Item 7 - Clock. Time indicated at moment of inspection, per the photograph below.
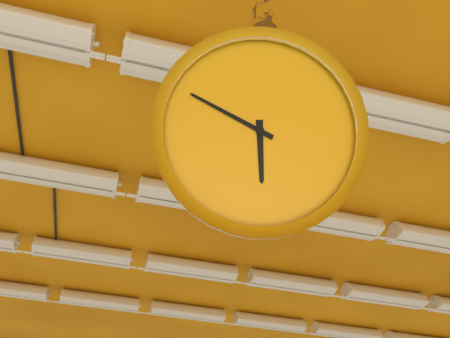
5:49
